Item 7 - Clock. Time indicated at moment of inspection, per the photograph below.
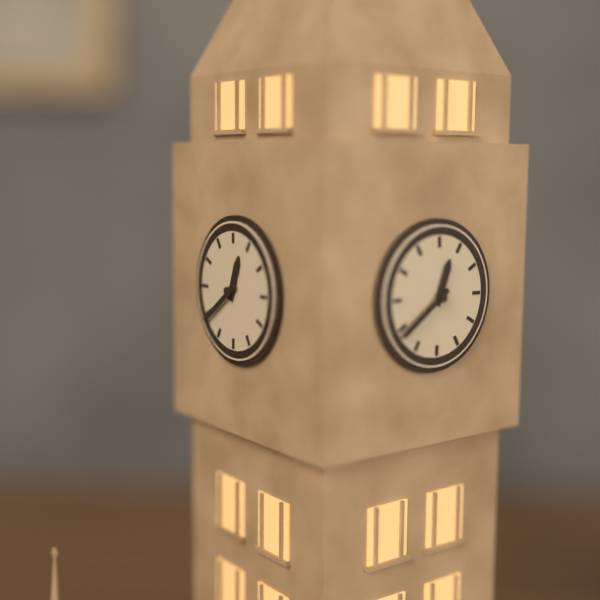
12:39
